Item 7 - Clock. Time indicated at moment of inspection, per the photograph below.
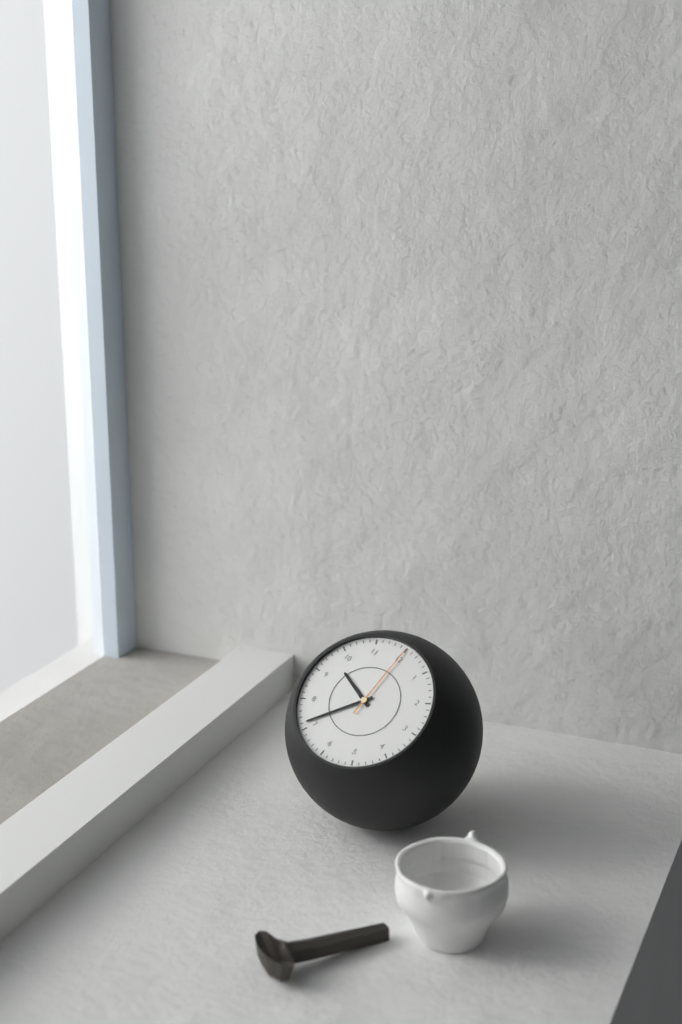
9:36:00
